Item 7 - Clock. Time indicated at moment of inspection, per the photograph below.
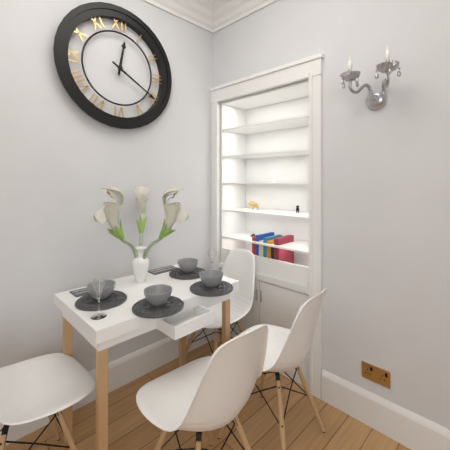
12:20
